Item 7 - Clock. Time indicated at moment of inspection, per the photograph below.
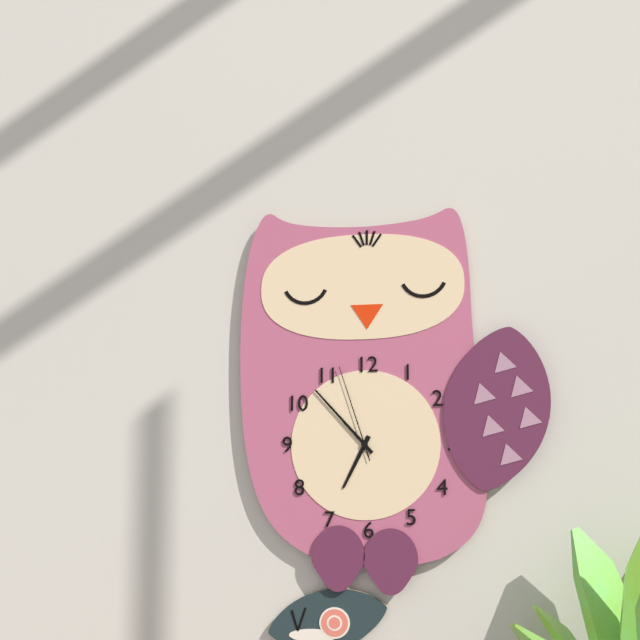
6:53:57
